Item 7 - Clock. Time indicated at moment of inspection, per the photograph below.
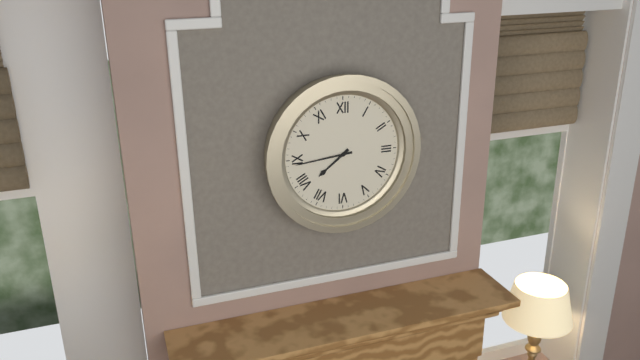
7:44
